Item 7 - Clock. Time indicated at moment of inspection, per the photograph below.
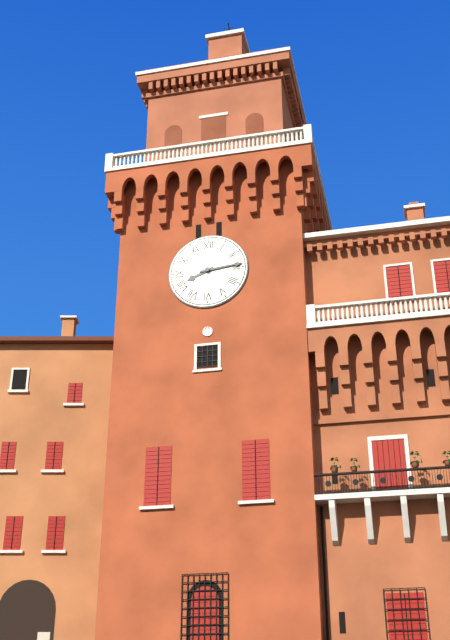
8:14
